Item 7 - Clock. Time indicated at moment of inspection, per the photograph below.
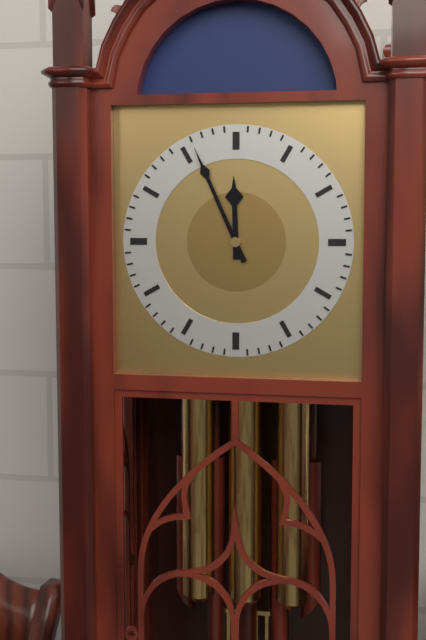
11:56
